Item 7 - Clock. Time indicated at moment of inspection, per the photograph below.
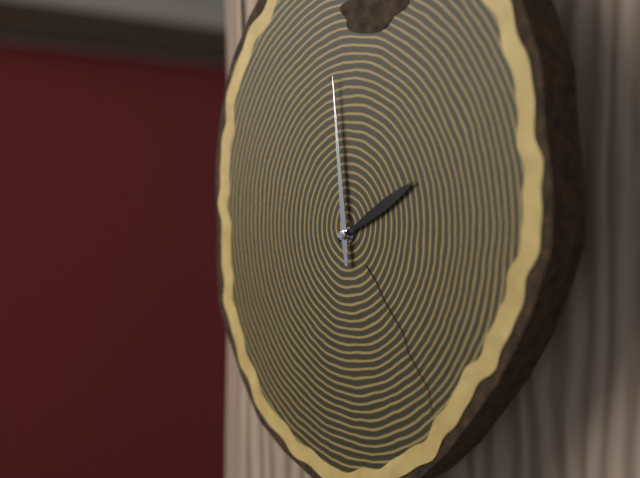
1:59
